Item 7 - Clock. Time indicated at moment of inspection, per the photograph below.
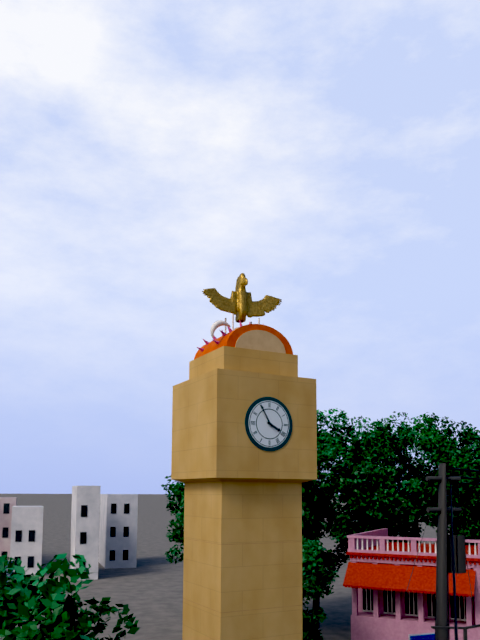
3:55
